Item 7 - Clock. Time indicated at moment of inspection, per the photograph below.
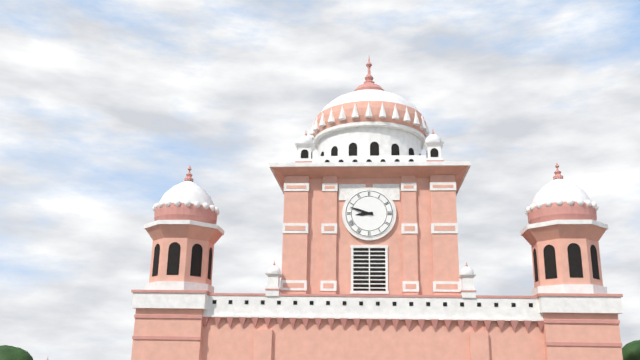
8:48
